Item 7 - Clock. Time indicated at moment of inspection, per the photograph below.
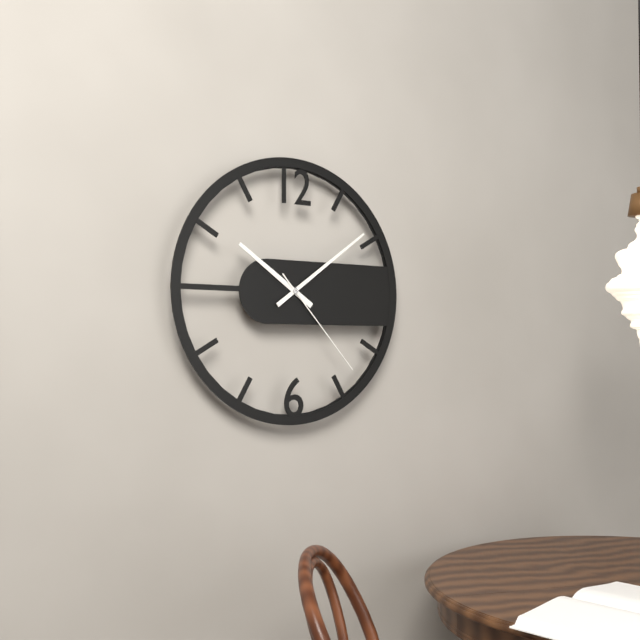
10:09:23
